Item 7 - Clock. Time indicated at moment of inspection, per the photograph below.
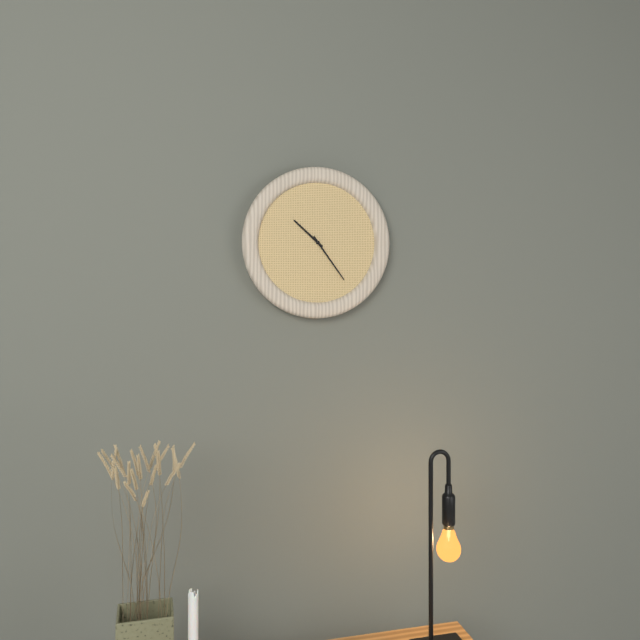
10:24
